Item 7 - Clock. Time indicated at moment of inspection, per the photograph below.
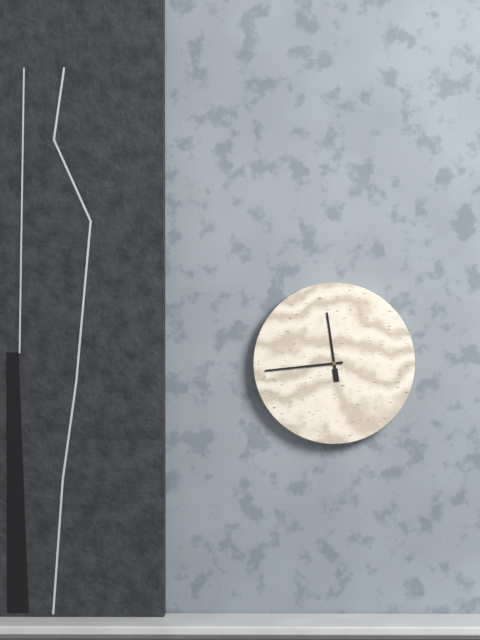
11:44
